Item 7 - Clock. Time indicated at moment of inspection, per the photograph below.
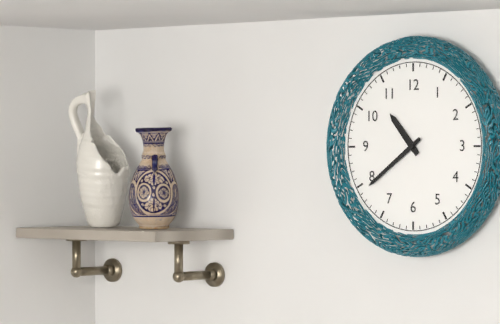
10:39
